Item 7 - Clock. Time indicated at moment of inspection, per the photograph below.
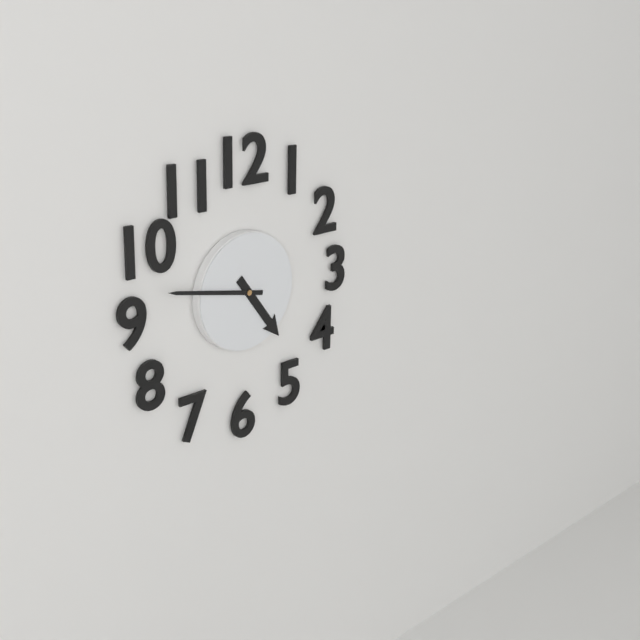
4:47
